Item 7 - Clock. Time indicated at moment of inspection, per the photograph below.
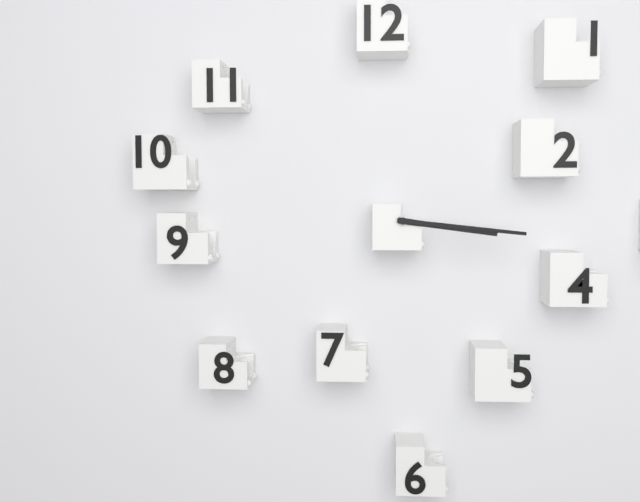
3:16
